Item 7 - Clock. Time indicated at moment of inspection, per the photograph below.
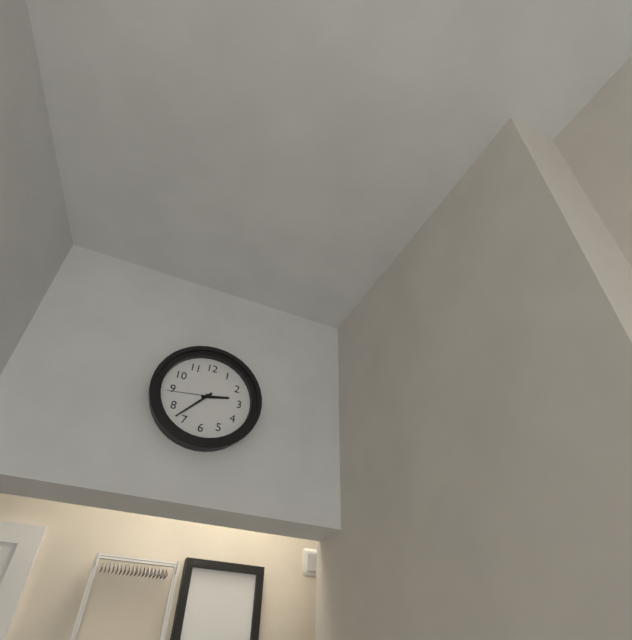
2:37:44
